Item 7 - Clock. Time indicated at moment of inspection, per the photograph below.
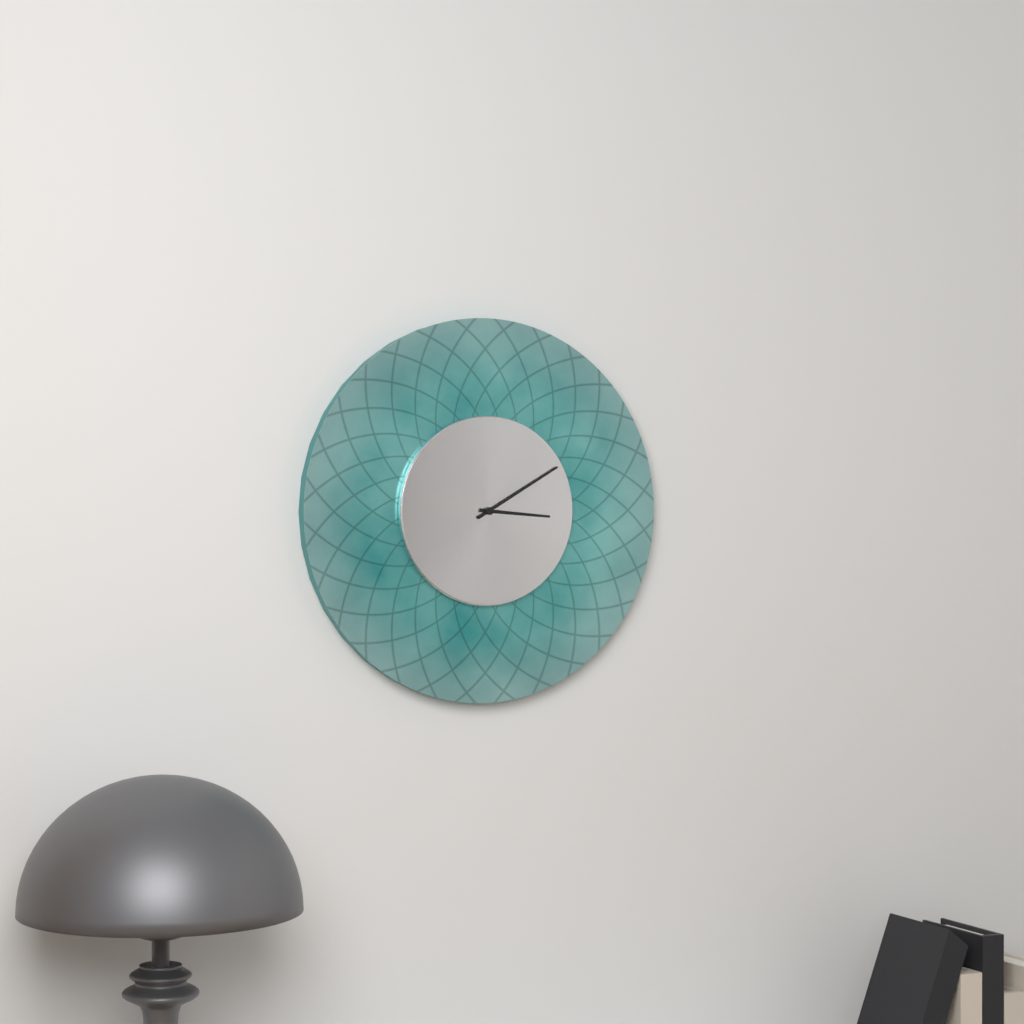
3:10
